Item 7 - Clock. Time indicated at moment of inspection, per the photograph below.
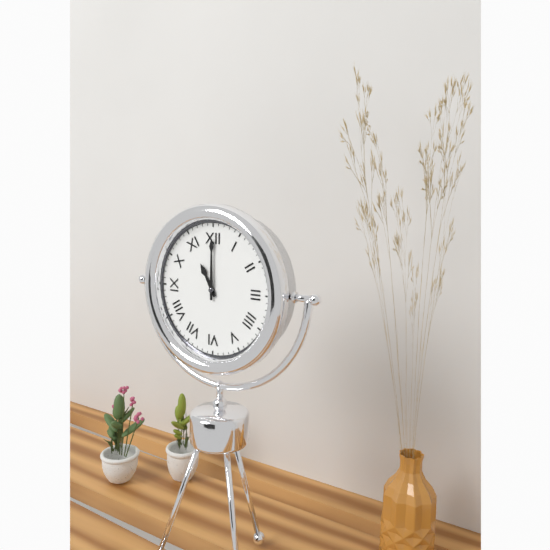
11:00
